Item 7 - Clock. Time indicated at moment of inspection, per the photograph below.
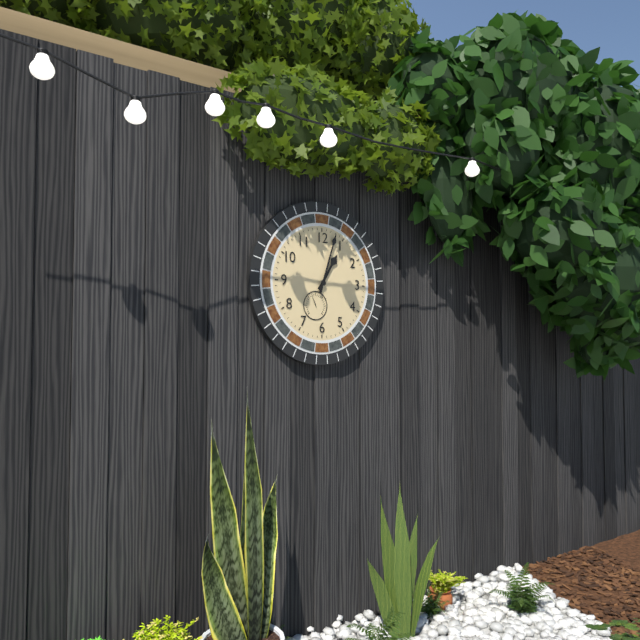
1:03
